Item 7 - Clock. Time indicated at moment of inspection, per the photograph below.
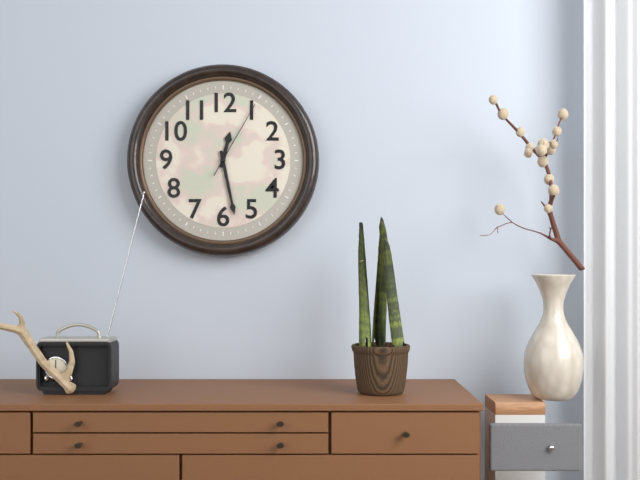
12:28:05
